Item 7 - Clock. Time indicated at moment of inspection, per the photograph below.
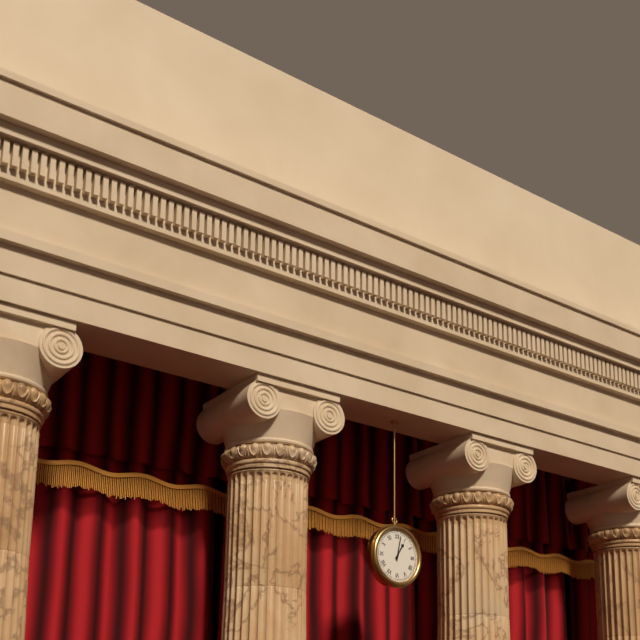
1:02
